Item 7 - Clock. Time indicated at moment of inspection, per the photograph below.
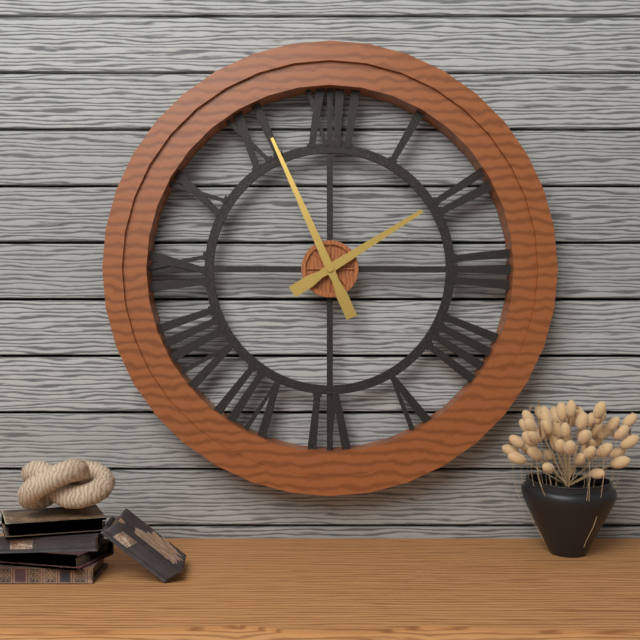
1:56
